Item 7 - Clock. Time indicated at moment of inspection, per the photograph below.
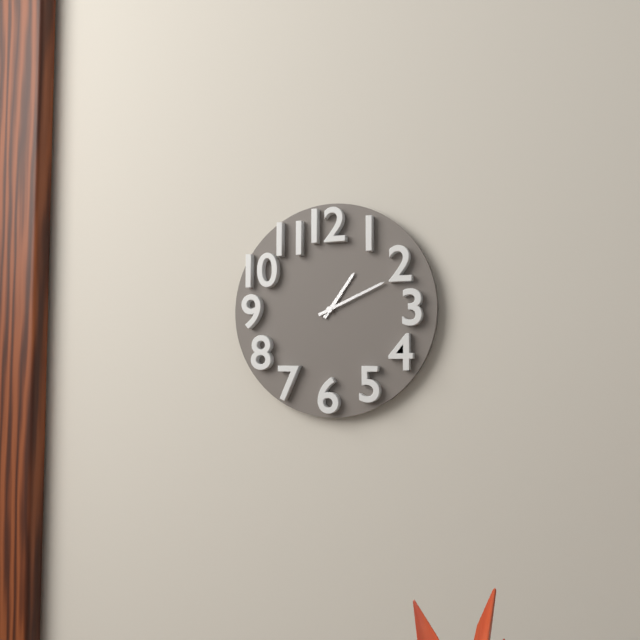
1:11
